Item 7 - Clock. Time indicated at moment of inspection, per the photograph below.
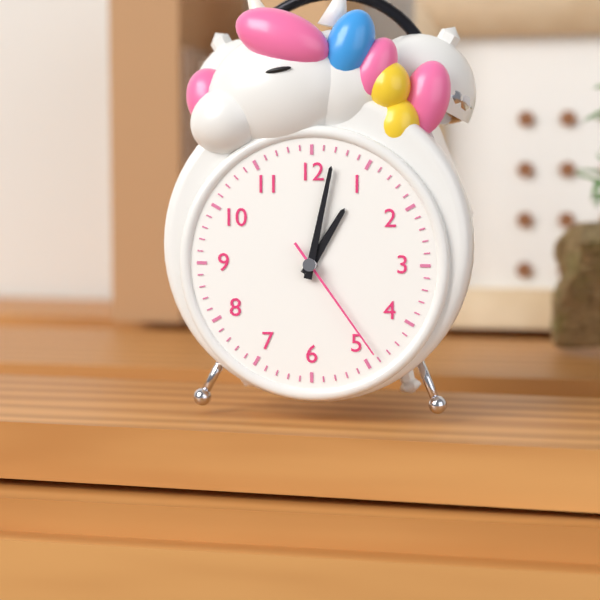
1:02:24
